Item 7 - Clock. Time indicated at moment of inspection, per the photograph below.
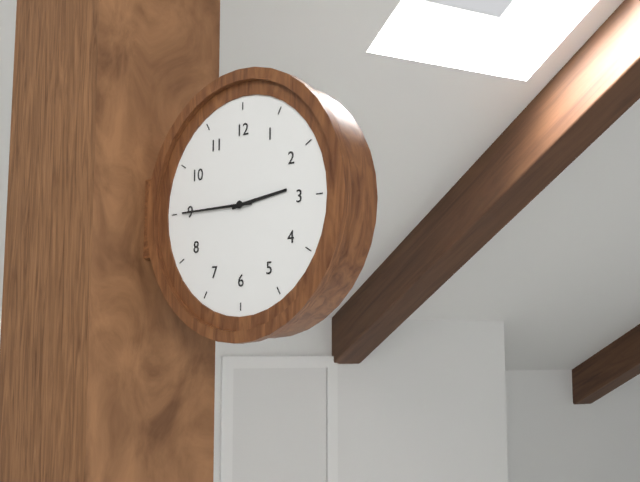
2:45
